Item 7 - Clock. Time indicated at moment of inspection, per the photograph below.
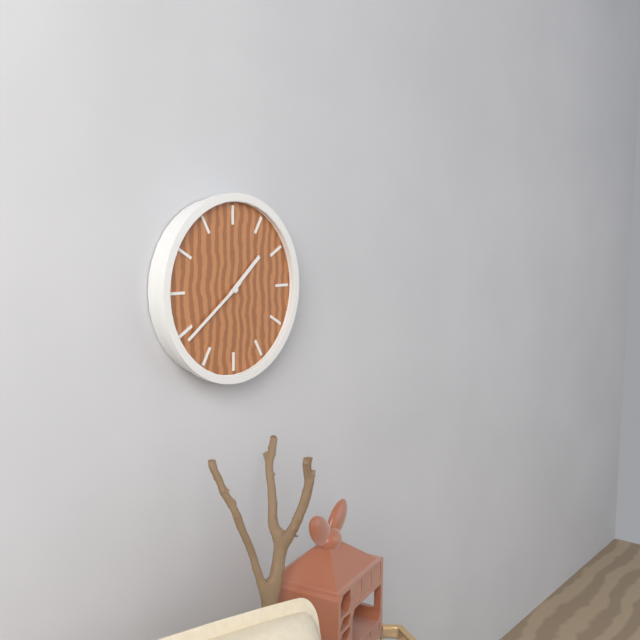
1:39
